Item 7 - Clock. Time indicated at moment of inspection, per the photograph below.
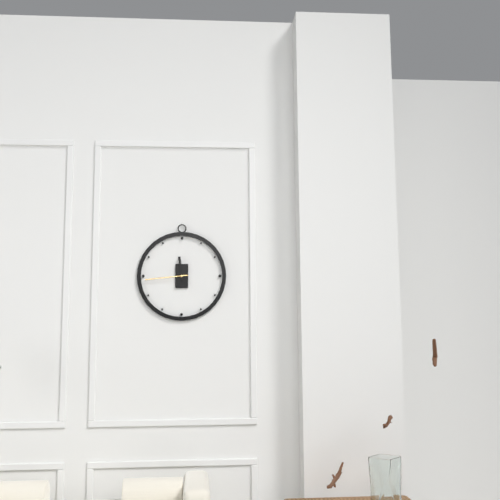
11:44
